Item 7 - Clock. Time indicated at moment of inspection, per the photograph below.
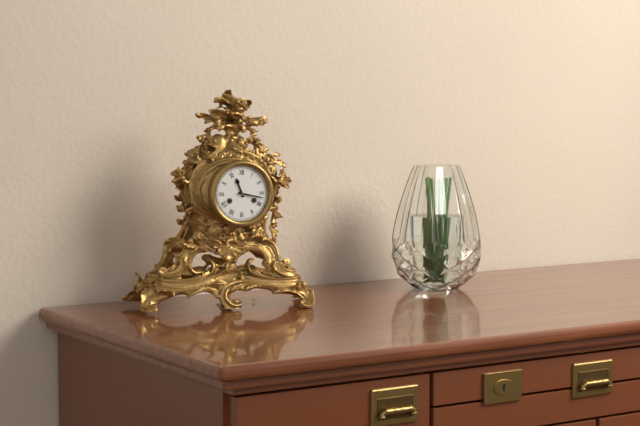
11:17
